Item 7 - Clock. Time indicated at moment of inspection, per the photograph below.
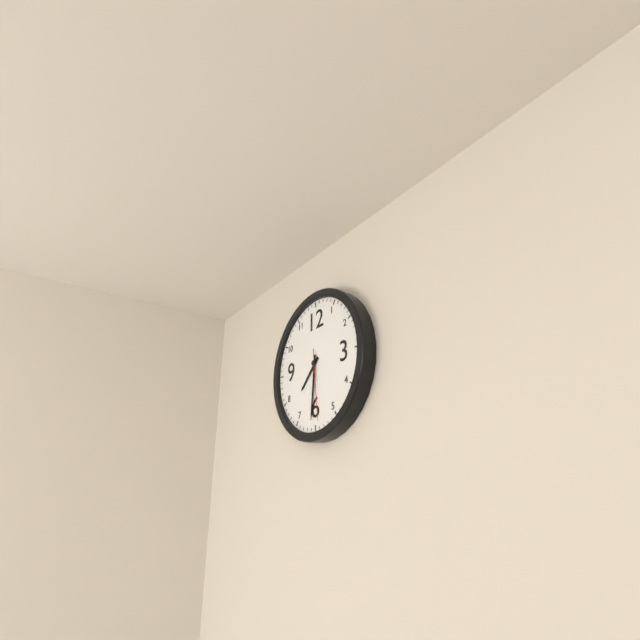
7:31:29
